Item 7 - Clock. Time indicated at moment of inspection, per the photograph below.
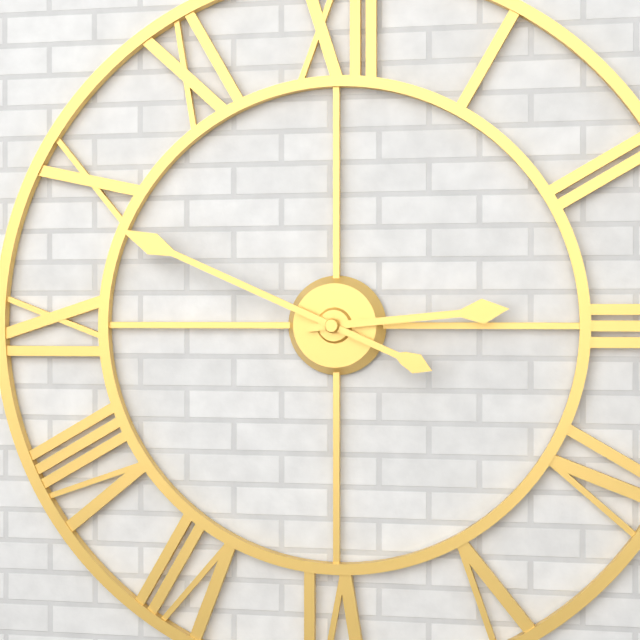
2:49
